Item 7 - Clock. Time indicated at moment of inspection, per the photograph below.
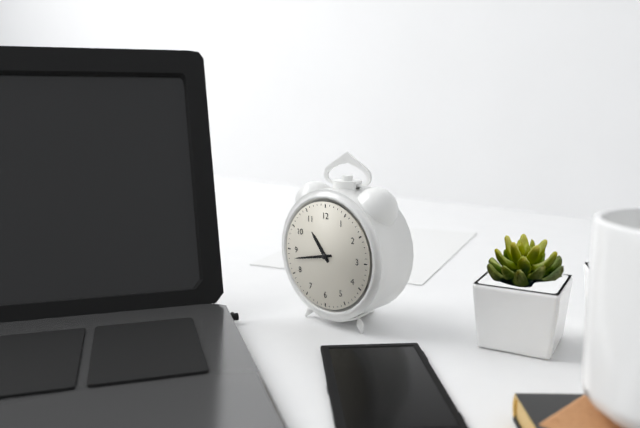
10:43
